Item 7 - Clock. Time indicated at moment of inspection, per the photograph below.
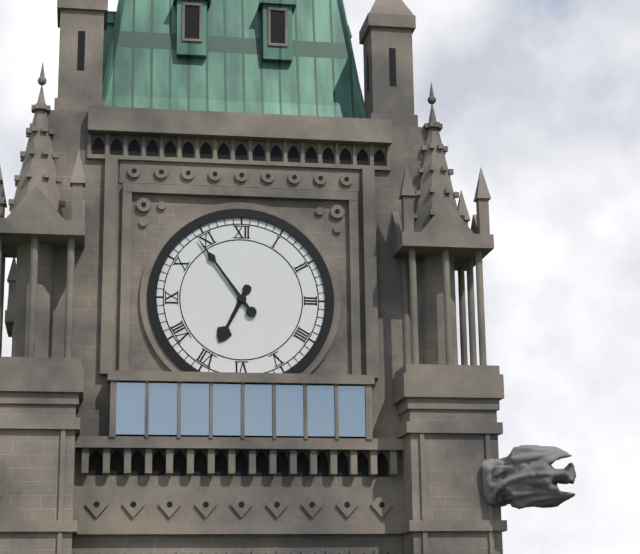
6:54
